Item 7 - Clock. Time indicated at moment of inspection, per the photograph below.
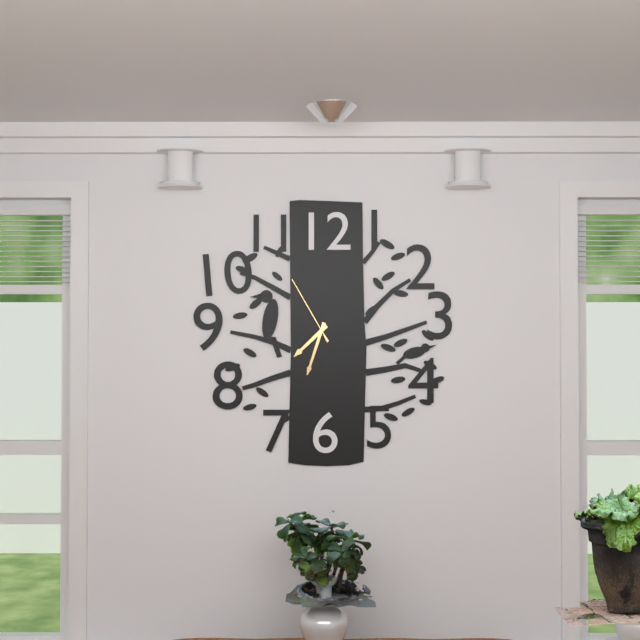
7:33:55
